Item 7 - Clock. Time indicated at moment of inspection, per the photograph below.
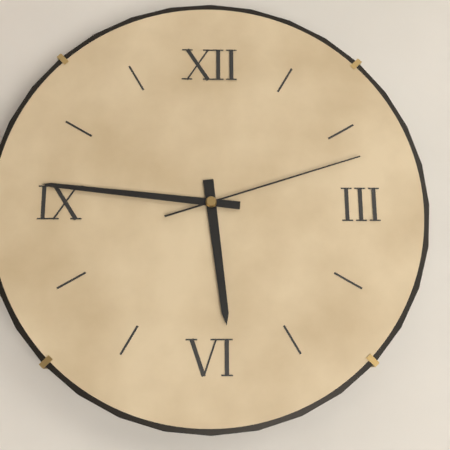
5:46:12
